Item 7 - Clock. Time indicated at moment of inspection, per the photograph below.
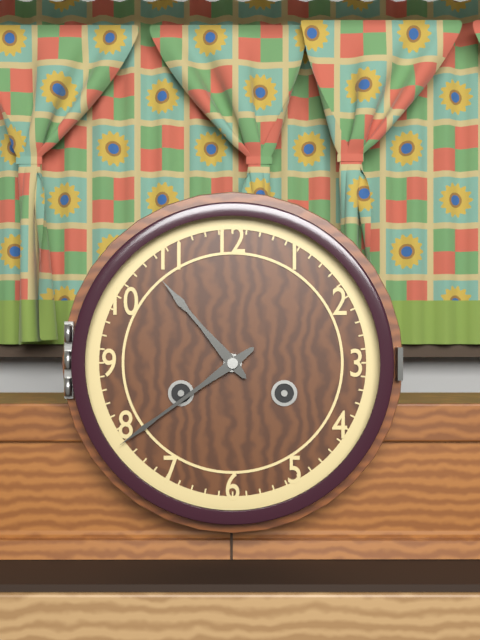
10:39
